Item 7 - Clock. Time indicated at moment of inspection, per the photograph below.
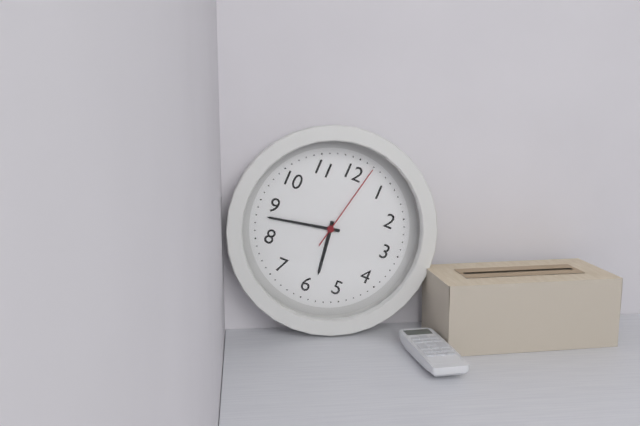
5:43:02
